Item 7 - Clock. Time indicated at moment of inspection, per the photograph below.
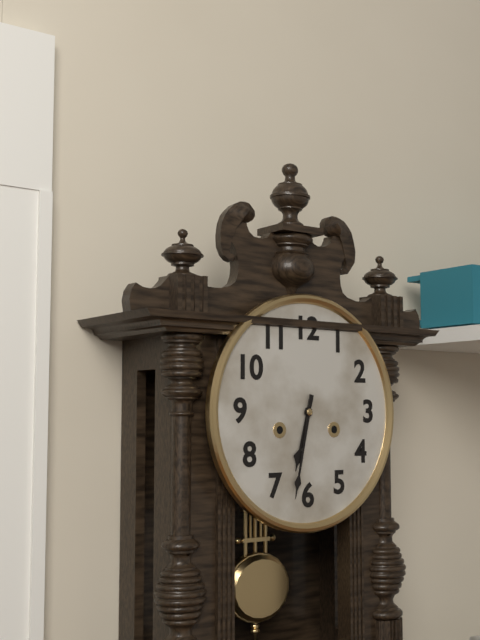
6:32
